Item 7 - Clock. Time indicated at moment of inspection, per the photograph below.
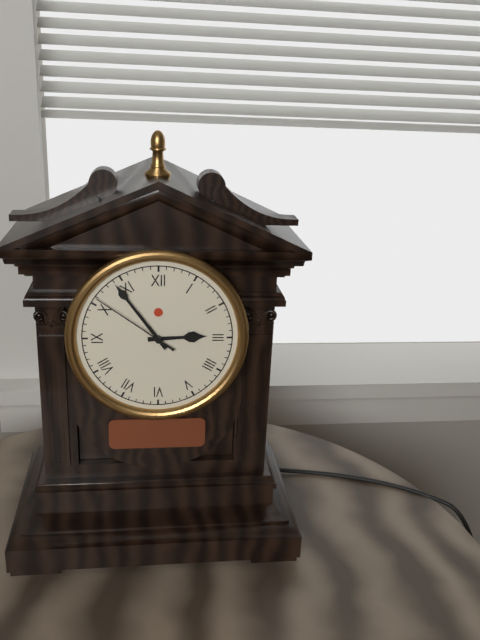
2:54:51
